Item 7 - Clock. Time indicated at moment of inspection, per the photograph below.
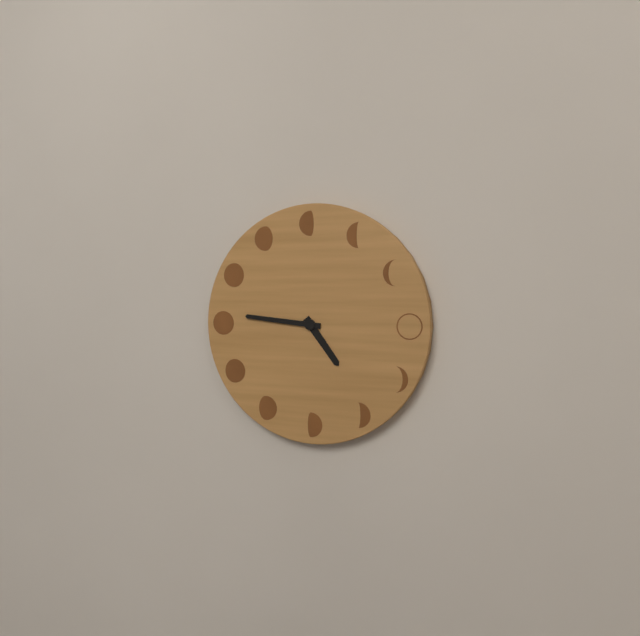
4:46
